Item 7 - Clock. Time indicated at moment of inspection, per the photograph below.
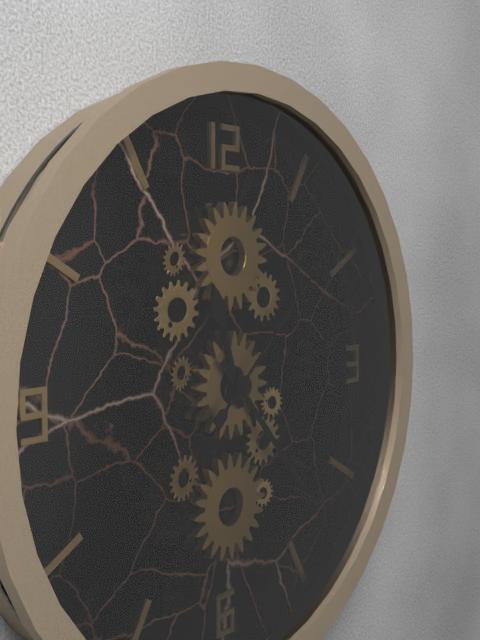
11:23:08
